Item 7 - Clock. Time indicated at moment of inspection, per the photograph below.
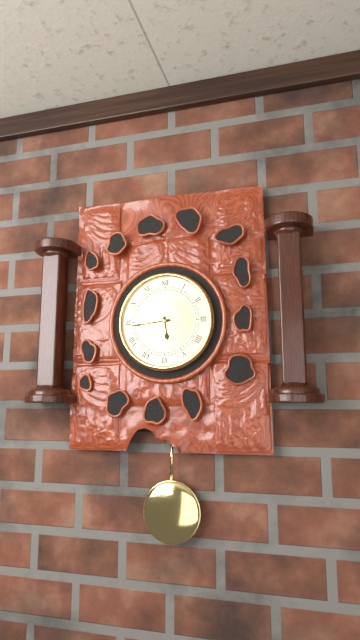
5:44
